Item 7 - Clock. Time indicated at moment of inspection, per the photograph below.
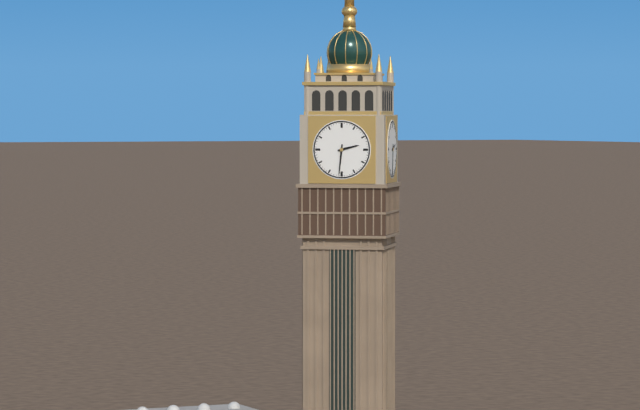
2:31
